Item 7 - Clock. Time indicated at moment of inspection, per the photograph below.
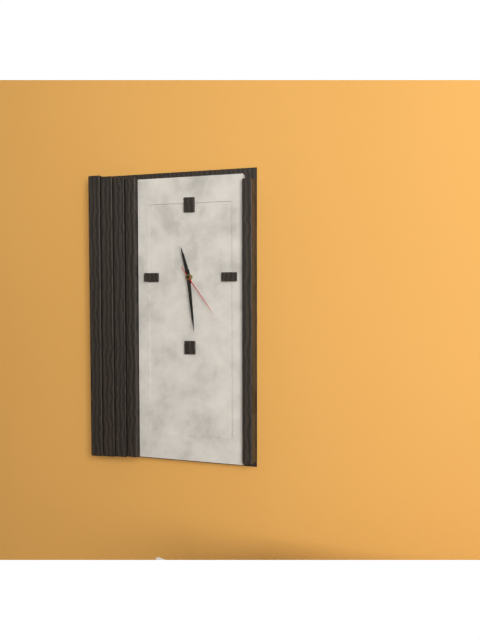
11:29:24
